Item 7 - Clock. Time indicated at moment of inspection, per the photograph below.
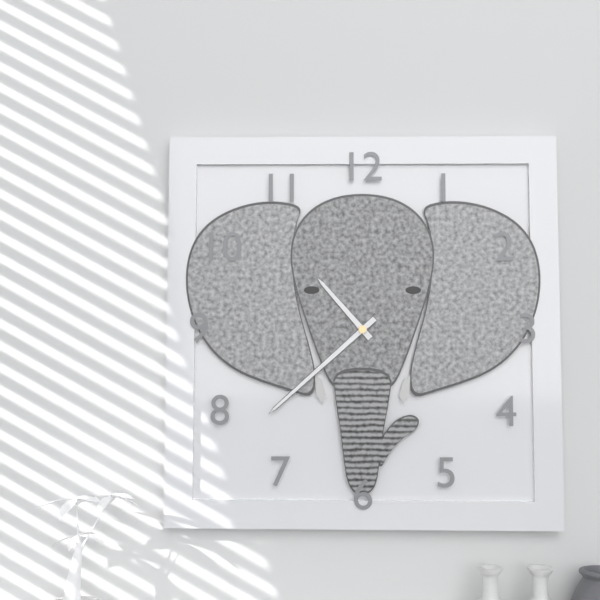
10:38
